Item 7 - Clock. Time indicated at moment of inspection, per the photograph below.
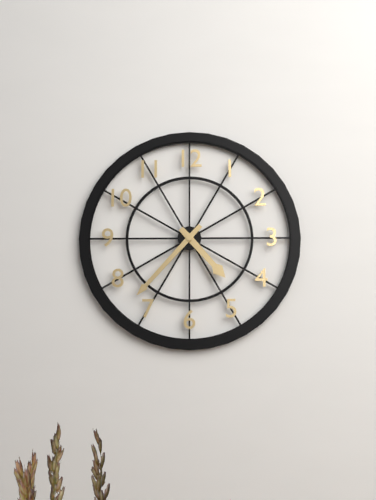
4:37
